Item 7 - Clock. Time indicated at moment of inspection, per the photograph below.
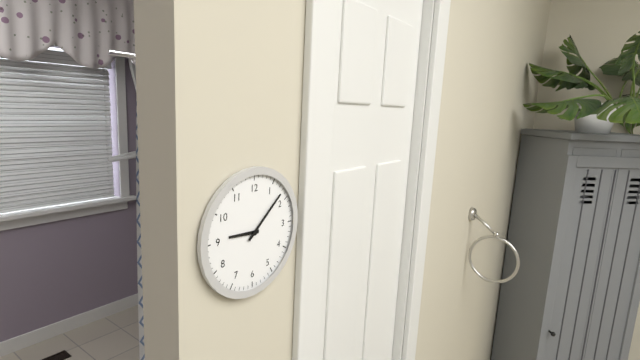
9:08
